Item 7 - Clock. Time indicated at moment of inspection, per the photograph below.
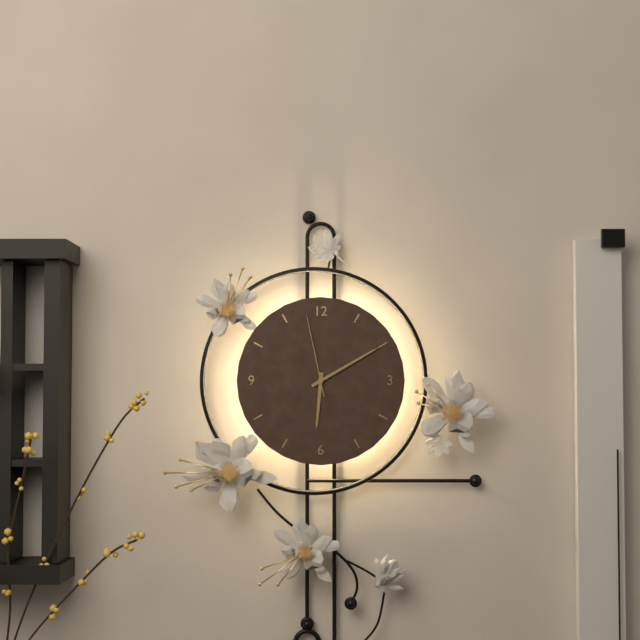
6:10:58
